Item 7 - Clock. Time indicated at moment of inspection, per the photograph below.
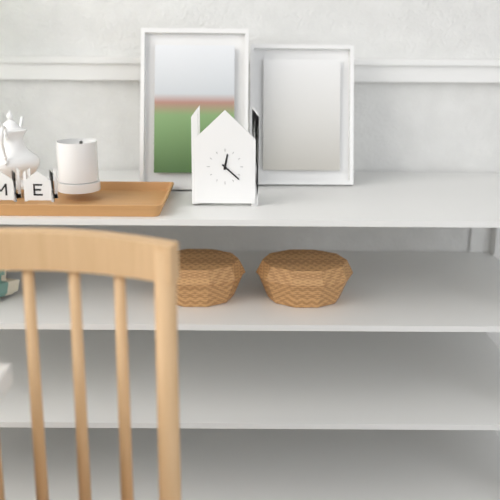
12:22
